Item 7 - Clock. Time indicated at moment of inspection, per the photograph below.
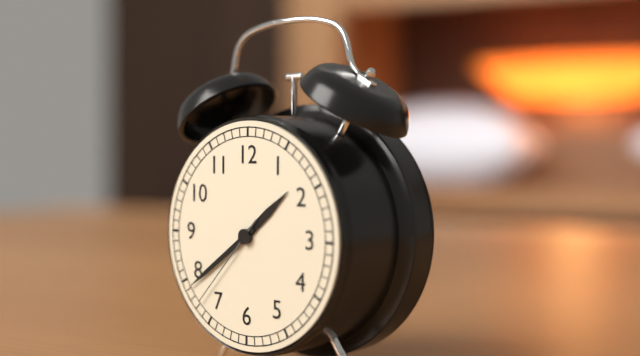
1:39:37
